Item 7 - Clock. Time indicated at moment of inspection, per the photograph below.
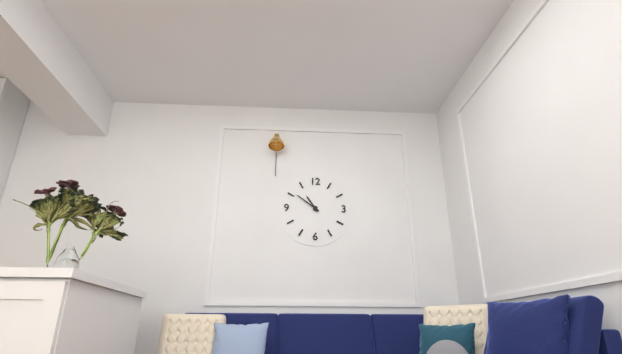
10:51
